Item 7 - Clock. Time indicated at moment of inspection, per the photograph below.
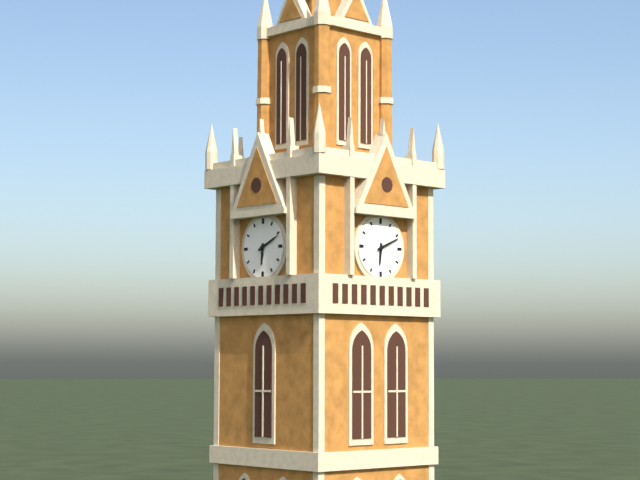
6:11
